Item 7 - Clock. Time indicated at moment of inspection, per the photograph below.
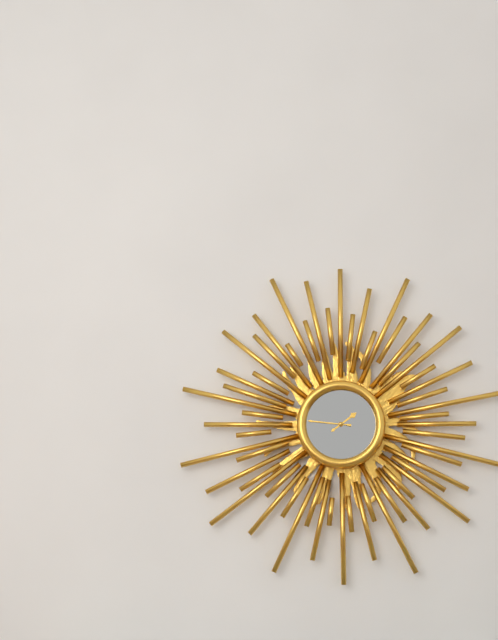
1:46
